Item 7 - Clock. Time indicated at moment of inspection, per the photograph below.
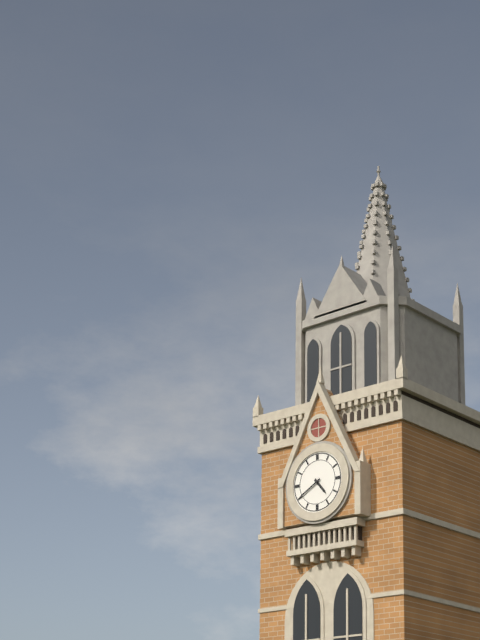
4:40
